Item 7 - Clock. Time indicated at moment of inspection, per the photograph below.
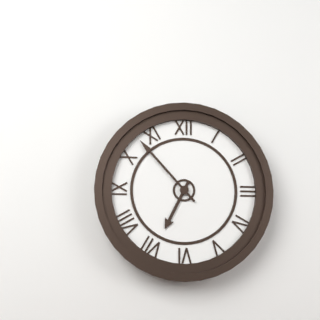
6:53
